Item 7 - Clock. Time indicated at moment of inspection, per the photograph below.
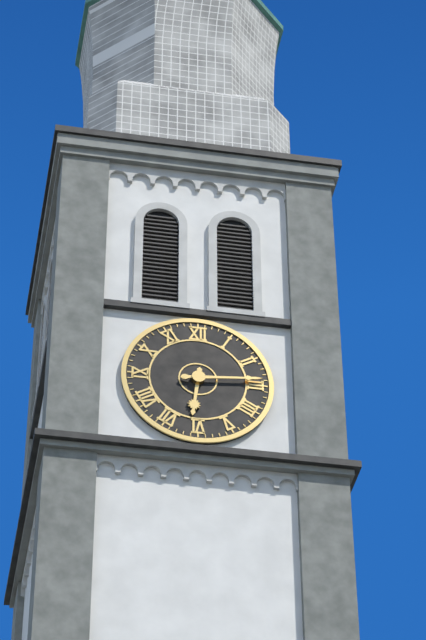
6:14
